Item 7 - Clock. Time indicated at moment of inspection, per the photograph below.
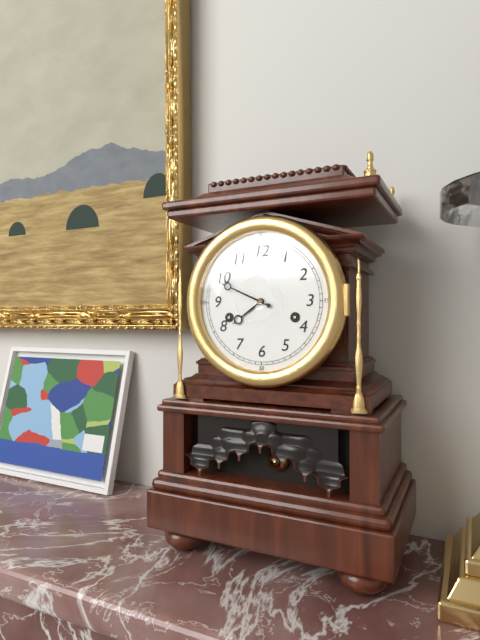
7:49
